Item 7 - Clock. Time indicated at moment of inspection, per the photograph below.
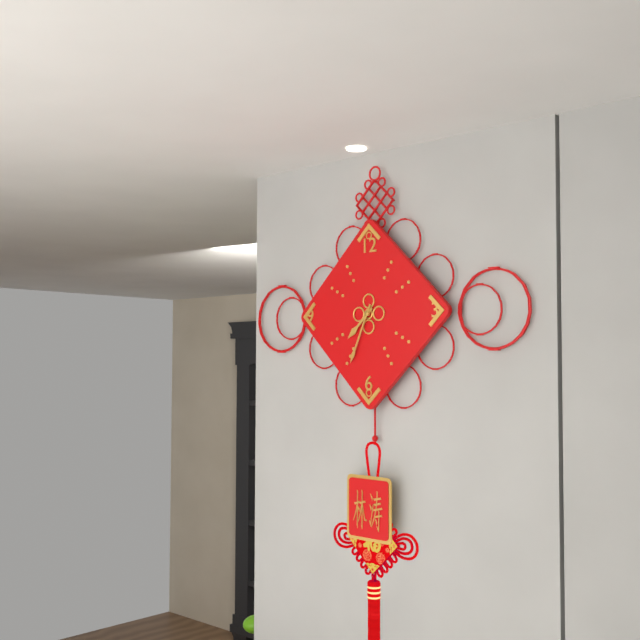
7:34
